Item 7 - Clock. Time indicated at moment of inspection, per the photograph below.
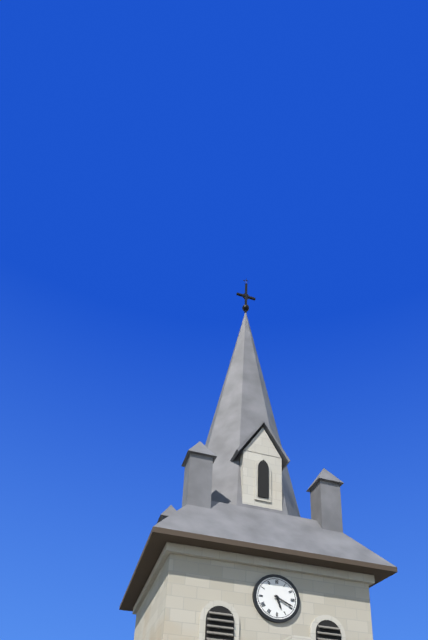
5:19
